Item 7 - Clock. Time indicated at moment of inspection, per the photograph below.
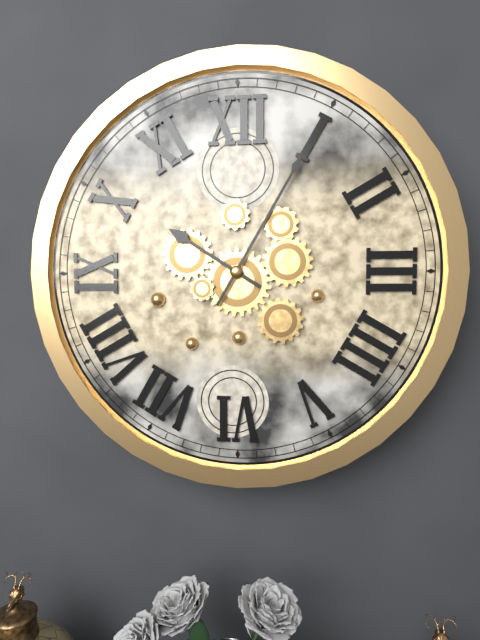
10:05
